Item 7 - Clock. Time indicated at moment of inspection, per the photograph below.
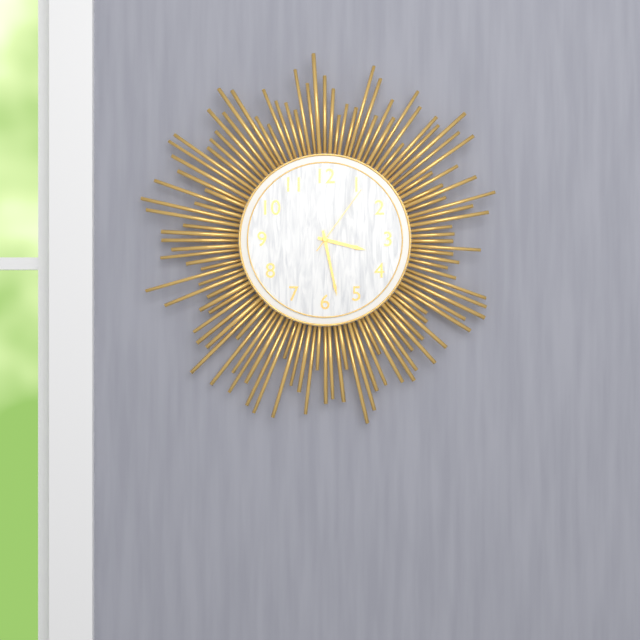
3:28:06
